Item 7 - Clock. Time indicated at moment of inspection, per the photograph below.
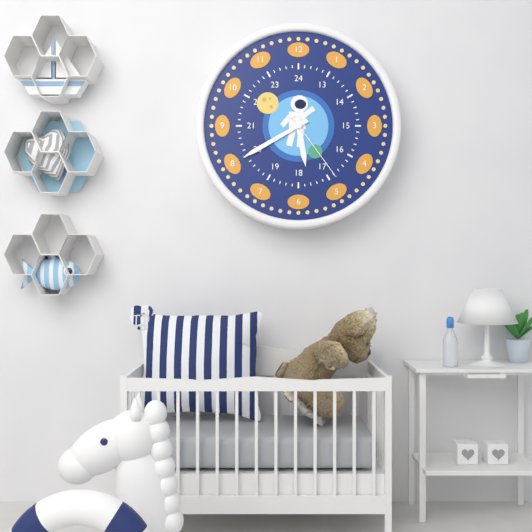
5:40:24
